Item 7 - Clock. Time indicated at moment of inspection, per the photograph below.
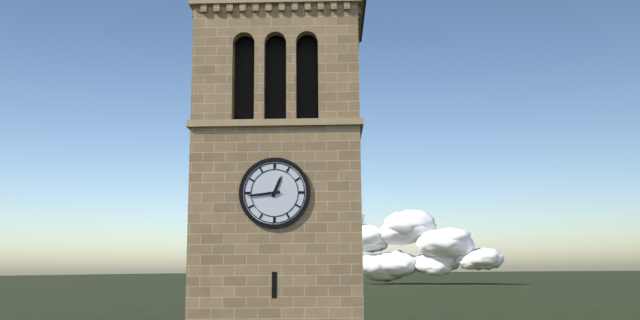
12:44
